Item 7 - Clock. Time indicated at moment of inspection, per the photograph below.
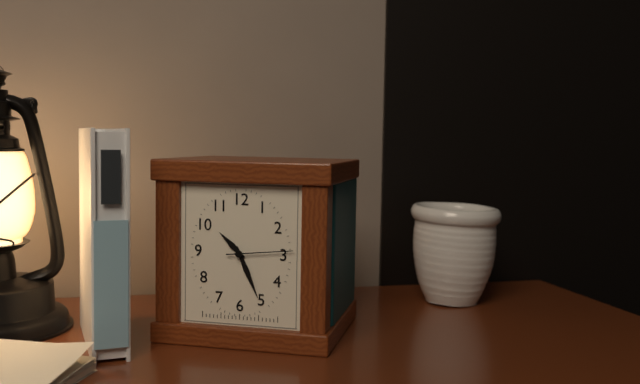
10:26:14
